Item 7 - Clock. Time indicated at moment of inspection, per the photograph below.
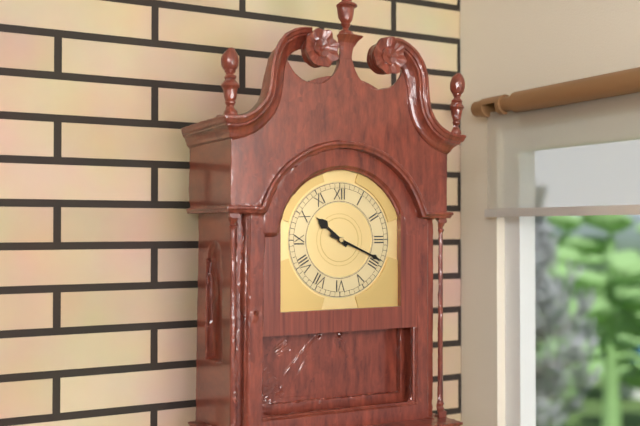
10:19
